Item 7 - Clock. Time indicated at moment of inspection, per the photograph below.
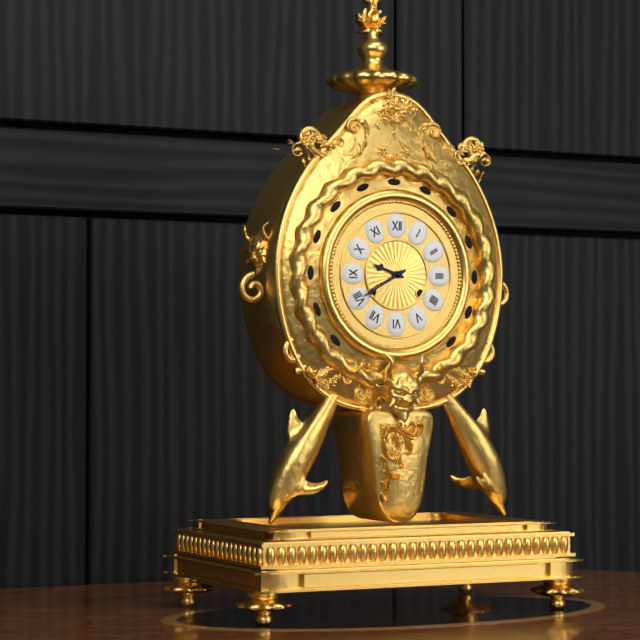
9:40
